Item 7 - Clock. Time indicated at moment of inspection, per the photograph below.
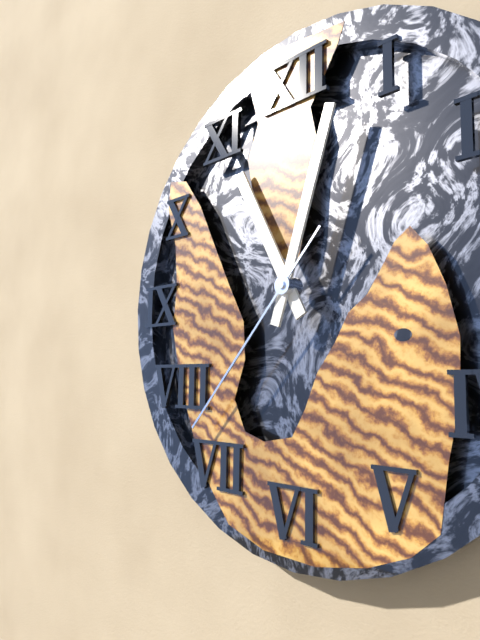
11:03:37
